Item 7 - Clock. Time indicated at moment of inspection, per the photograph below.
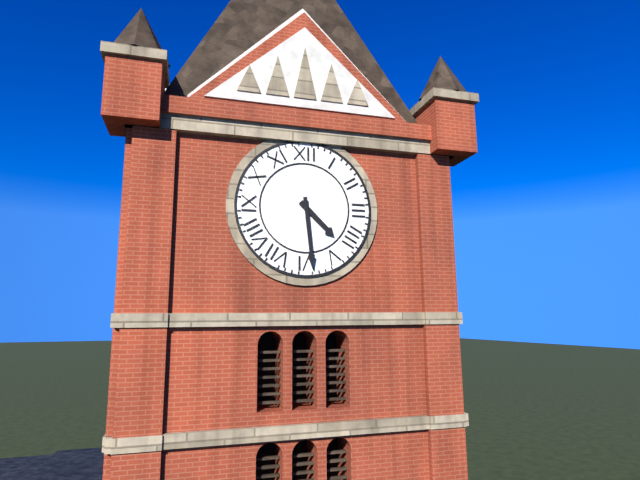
4:29
